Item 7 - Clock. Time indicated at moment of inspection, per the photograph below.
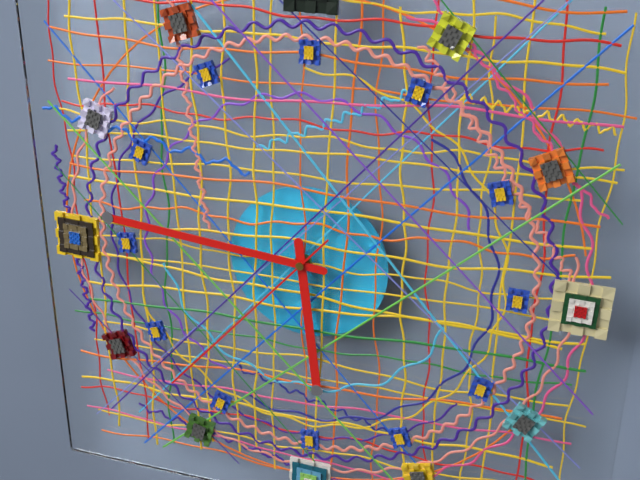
5:46:37
